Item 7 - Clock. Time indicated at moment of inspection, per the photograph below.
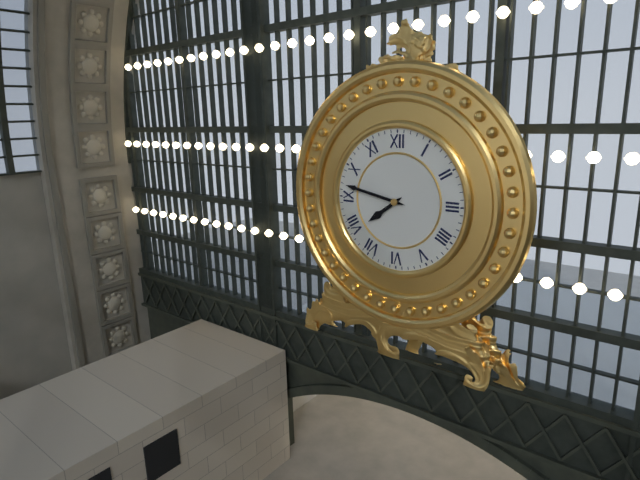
7:47
